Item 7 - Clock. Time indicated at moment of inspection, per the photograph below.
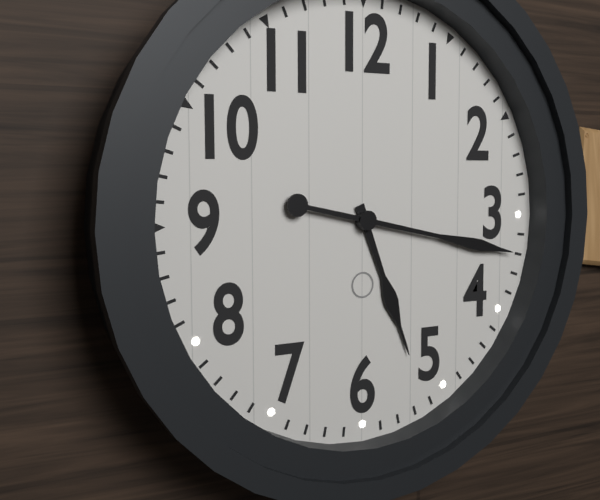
5:17
